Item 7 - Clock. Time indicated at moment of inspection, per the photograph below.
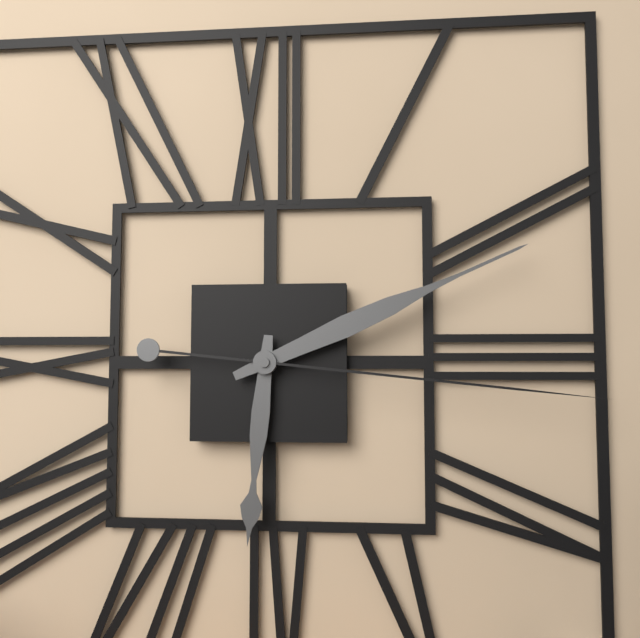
6:11:16
